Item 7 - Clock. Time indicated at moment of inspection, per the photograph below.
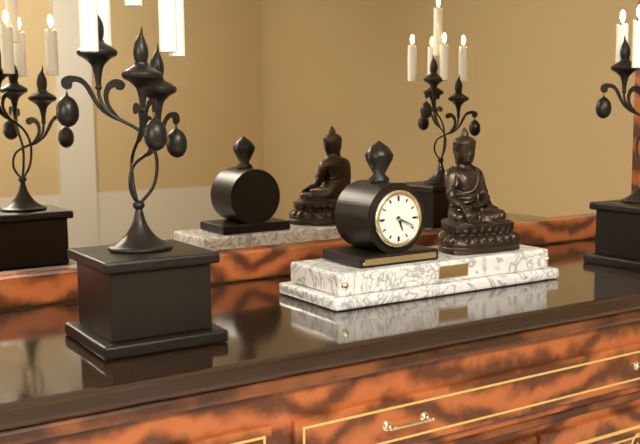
5:19
